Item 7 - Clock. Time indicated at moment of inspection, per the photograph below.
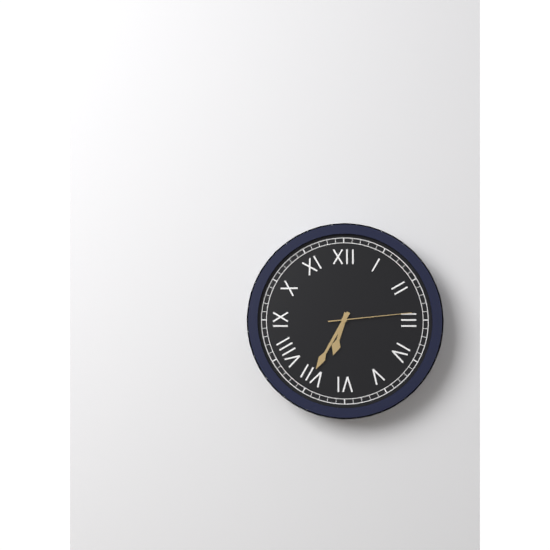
6:35:14
